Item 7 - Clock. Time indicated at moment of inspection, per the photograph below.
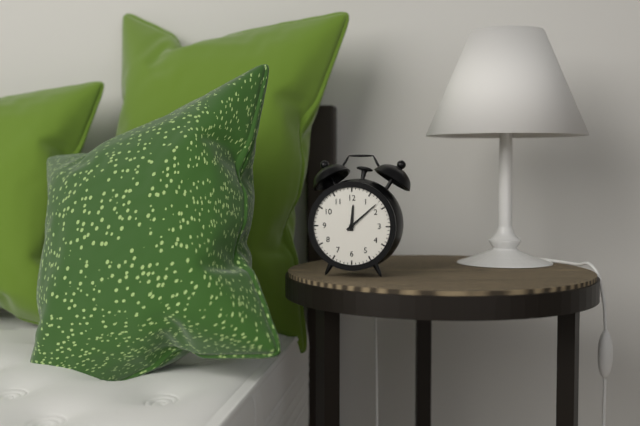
12:08
